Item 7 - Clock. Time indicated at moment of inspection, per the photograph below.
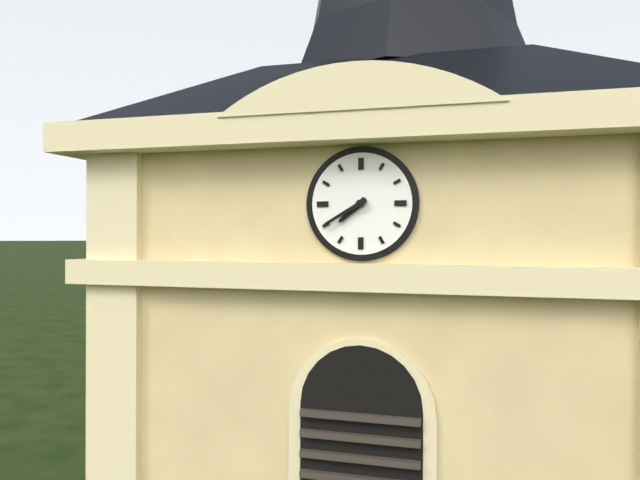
7:40
